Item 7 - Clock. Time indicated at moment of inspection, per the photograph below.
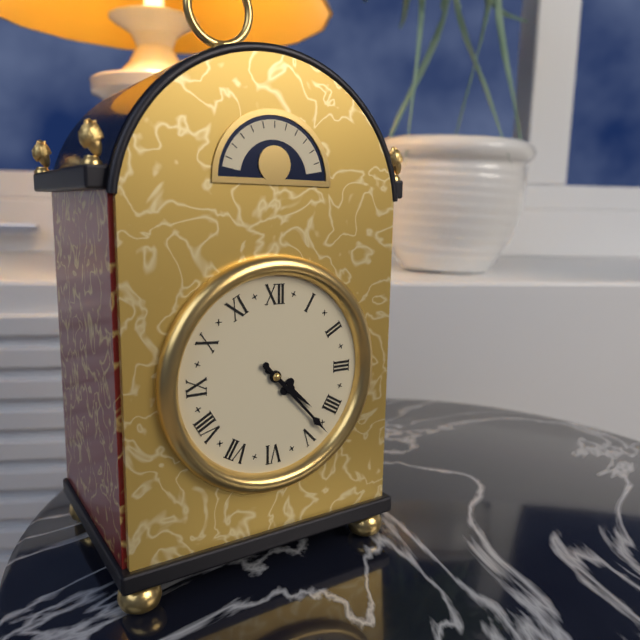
4:23
